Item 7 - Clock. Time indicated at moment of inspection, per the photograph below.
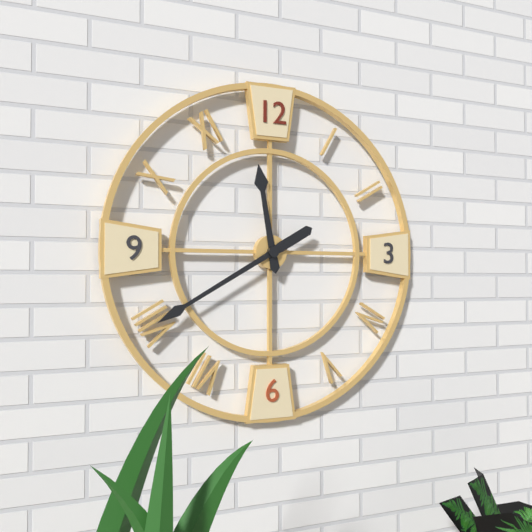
11:40
